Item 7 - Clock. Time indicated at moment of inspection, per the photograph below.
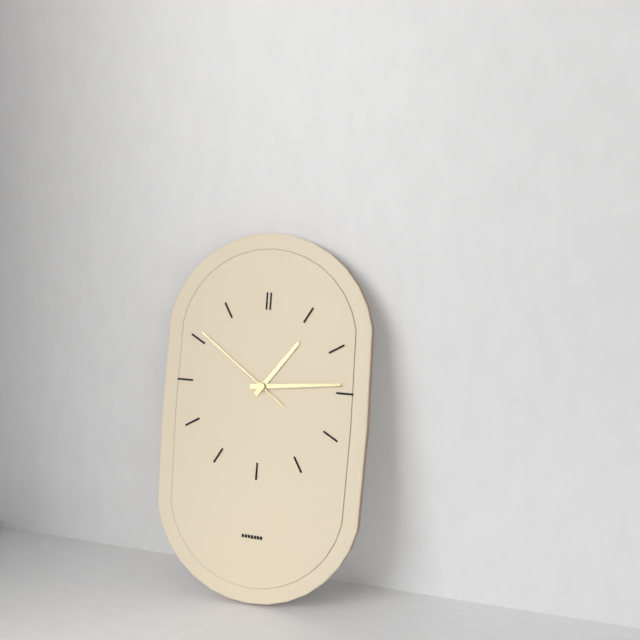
1:14:51
